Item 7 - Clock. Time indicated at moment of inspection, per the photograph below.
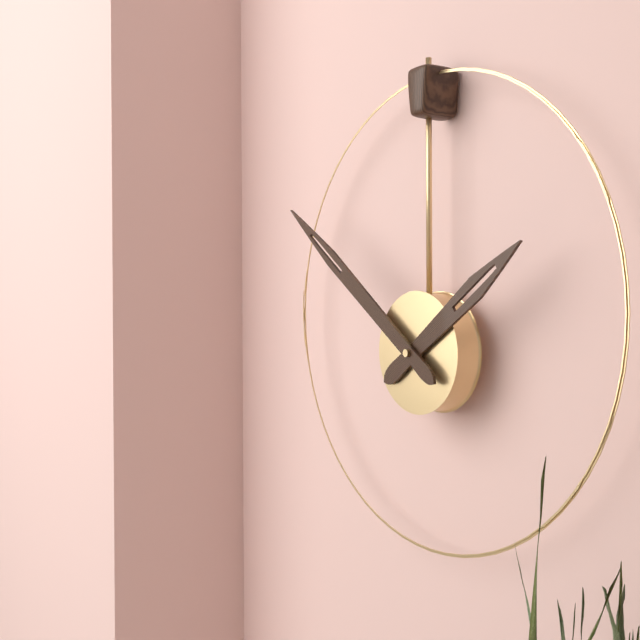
1:51
